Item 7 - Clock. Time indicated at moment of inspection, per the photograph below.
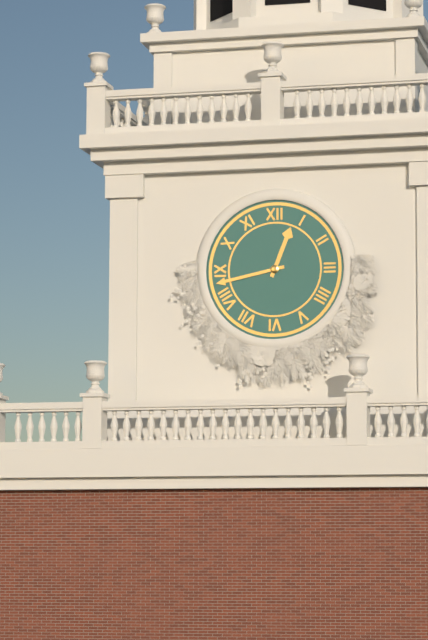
12:43
